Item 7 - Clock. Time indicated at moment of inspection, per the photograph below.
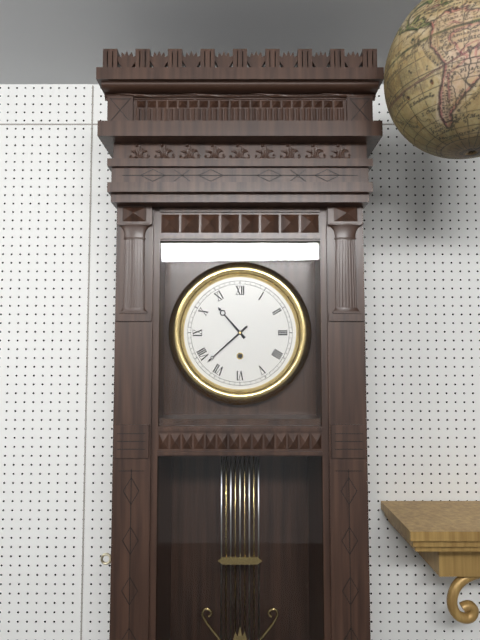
10:38
